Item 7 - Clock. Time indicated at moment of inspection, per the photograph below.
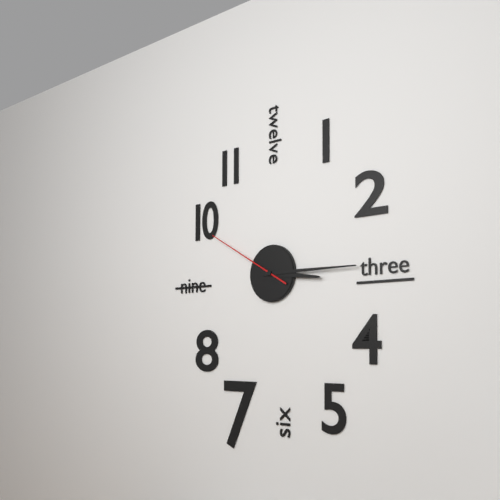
3:15:50
